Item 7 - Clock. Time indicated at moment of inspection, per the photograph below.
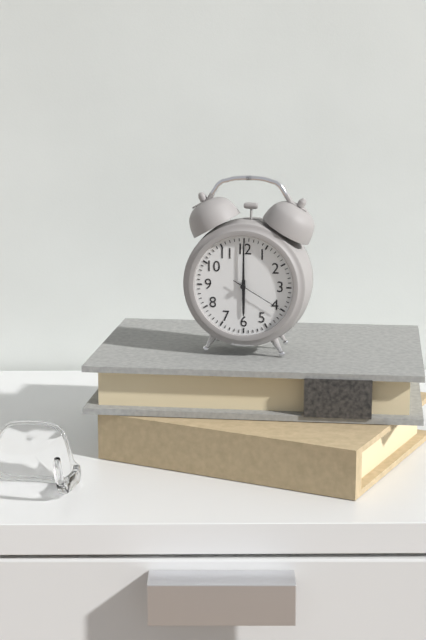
6:00:20
